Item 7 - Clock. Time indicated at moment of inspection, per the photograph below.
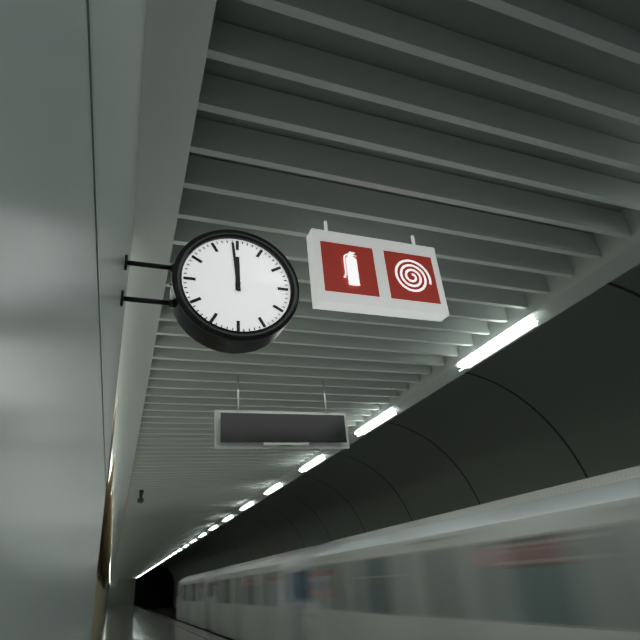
11:59
